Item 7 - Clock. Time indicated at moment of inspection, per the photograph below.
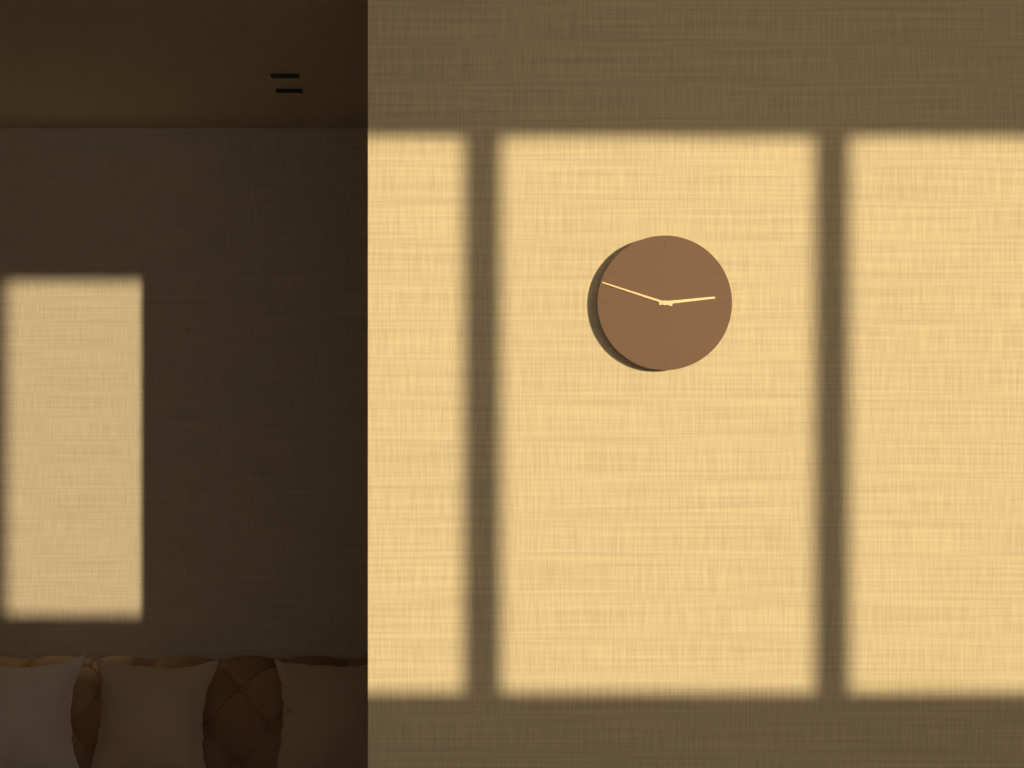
2:48
